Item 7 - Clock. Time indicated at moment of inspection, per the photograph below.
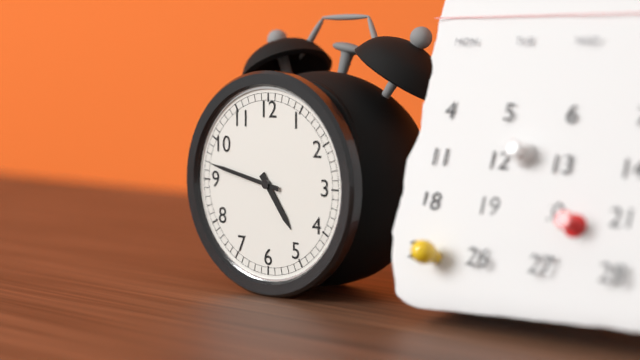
4:47
